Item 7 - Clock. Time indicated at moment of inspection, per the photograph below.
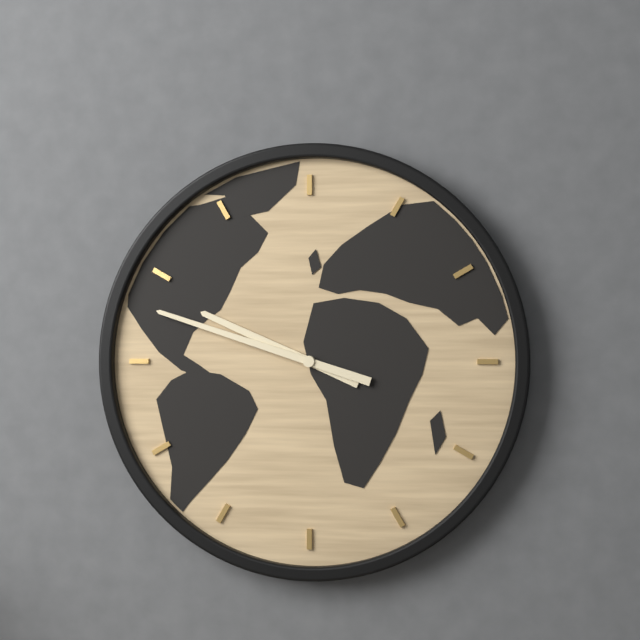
9:48
